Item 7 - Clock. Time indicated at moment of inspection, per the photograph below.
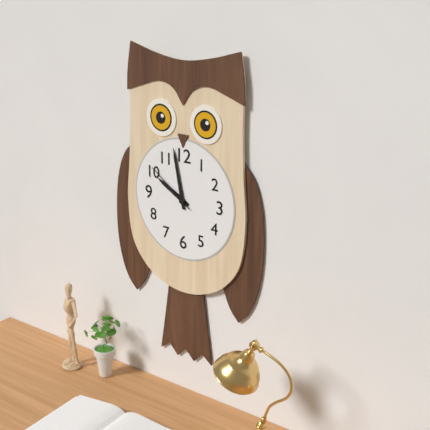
9:58:51
